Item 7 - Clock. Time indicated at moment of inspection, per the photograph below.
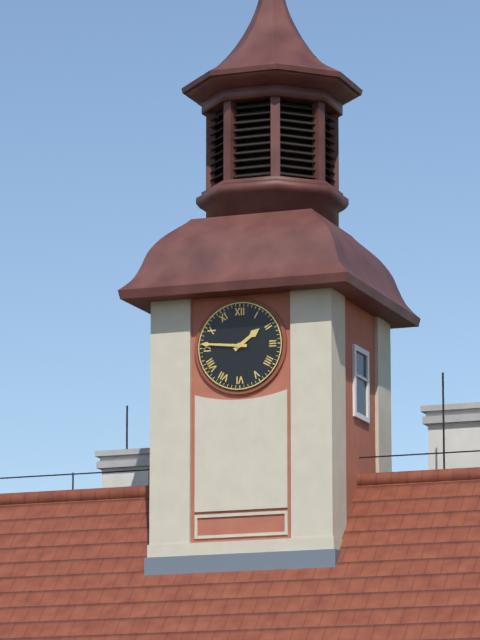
1:46
